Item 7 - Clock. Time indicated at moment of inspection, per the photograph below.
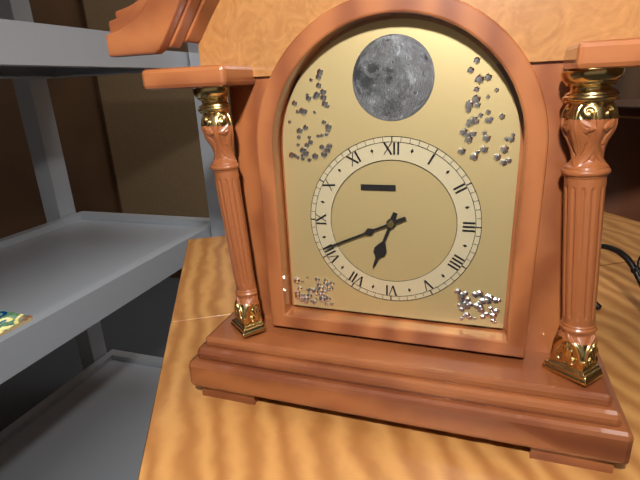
6:41
